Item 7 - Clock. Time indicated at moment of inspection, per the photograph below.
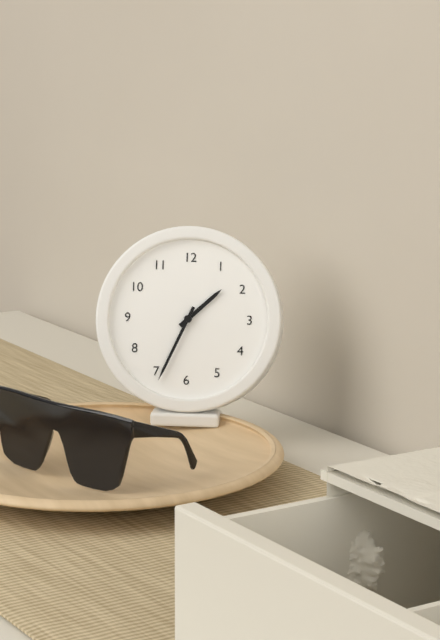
1:34
